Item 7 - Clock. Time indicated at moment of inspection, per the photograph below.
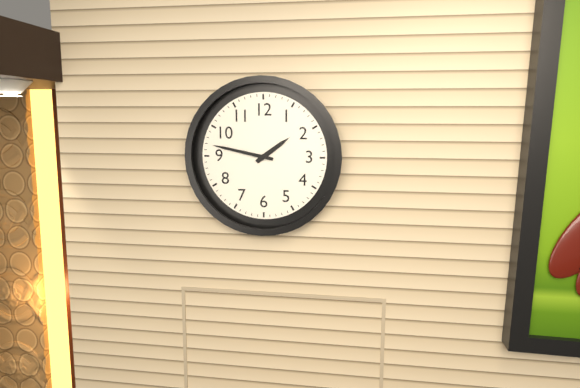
1:47
